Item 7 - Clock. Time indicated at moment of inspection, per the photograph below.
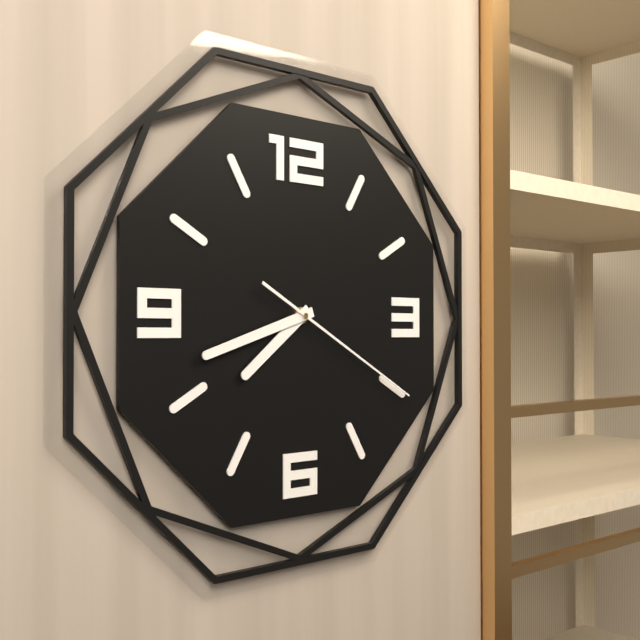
7:42:20
